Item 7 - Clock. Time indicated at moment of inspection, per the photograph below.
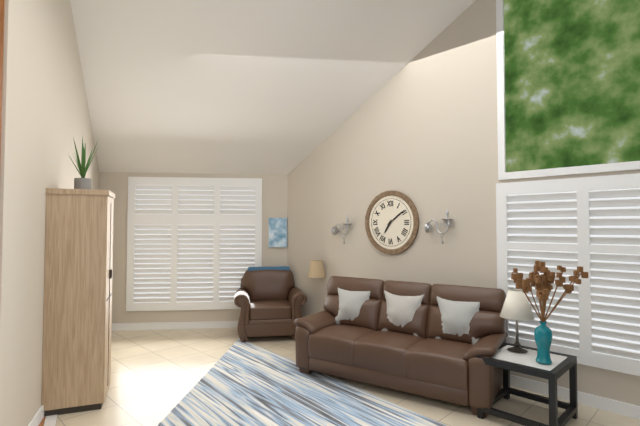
7:09
